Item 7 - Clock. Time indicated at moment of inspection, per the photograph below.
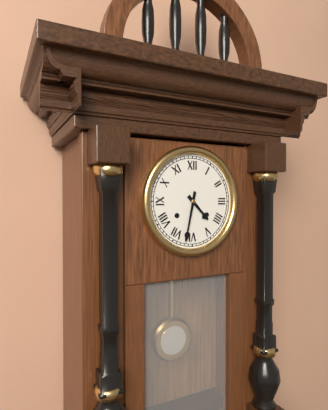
4:32
